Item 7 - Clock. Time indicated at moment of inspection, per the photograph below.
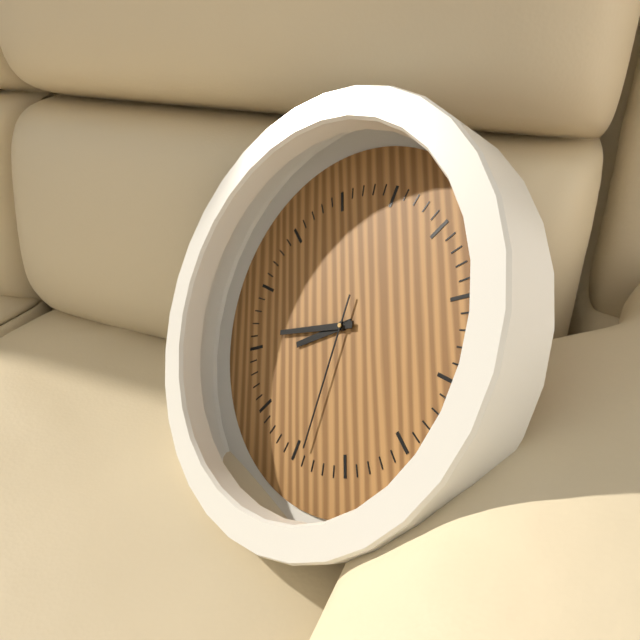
8:46:34
